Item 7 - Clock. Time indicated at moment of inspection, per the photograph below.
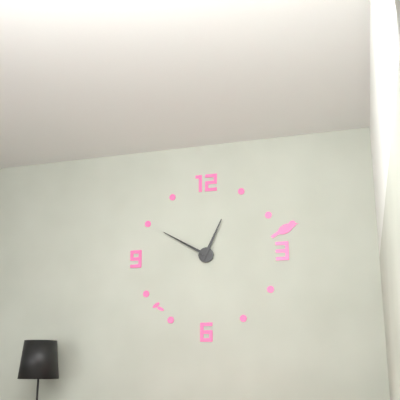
12:50
